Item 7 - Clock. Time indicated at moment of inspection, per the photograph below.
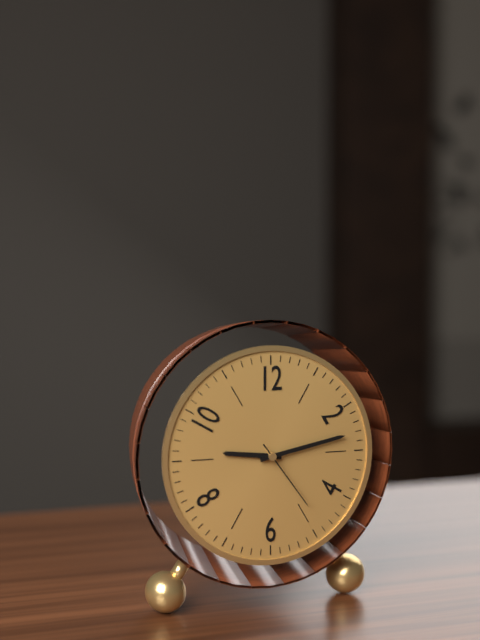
9:13:24
